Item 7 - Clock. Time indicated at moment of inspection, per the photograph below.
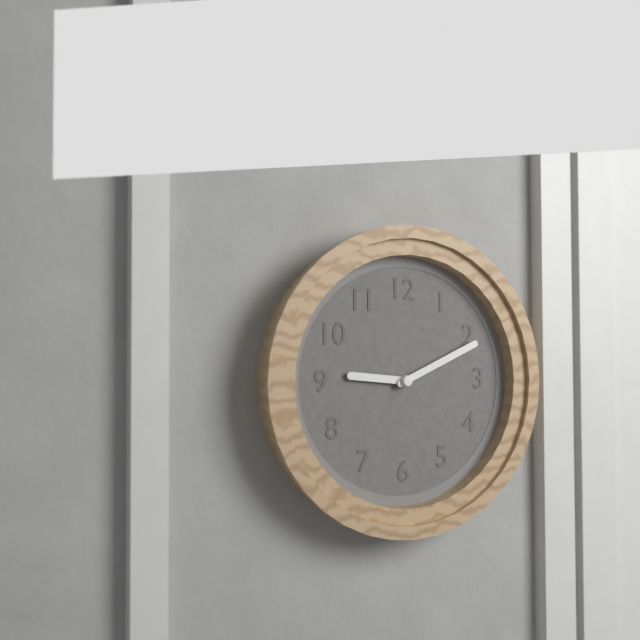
9:11
